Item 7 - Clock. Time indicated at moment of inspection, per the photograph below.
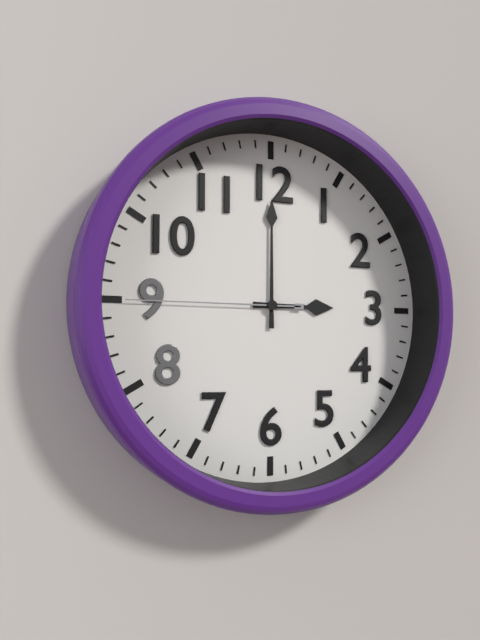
3:00:45
